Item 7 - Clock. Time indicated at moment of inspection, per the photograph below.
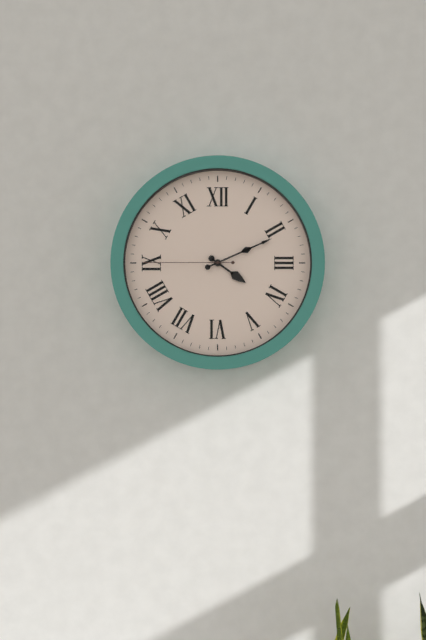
4:11:45
